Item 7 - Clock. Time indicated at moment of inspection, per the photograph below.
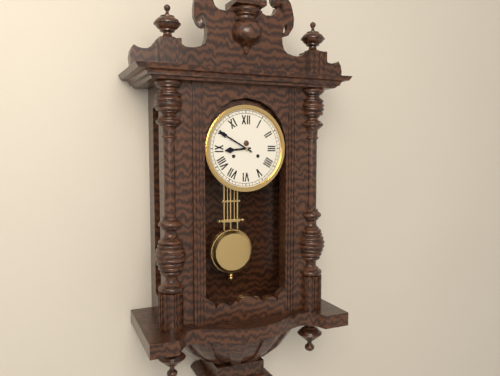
8:50
